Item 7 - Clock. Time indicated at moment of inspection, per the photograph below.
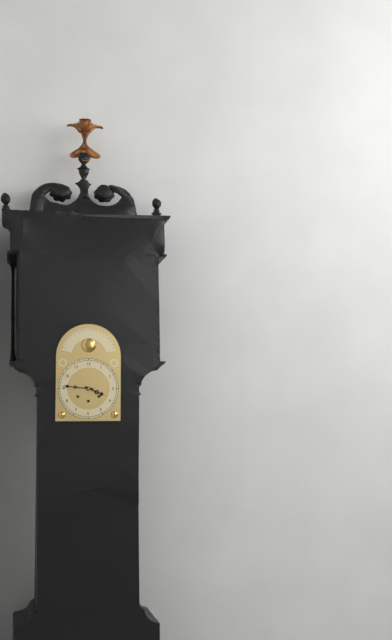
3:46
